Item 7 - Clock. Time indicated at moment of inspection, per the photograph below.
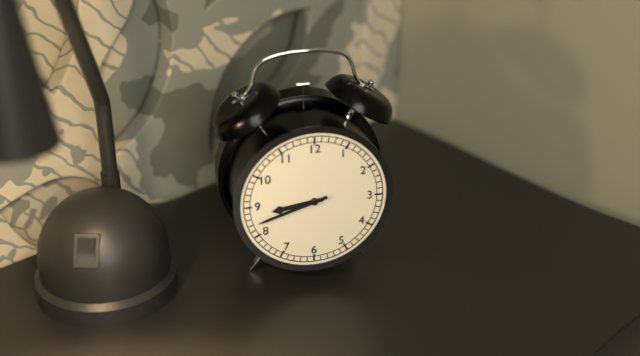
8:42
